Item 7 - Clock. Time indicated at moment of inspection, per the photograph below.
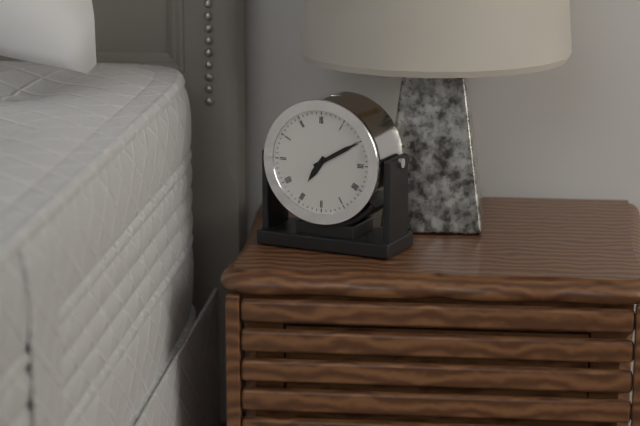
7:10
